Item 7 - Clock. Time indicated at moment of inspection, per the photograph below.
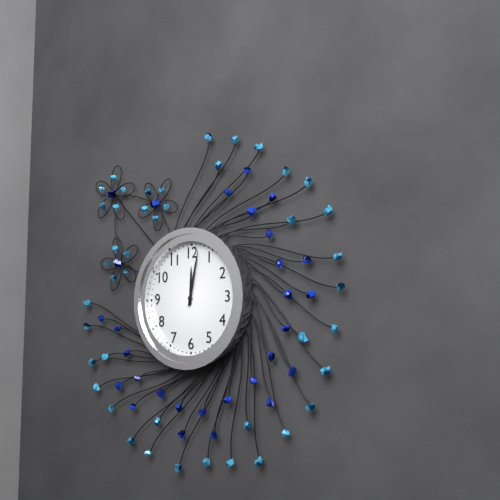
12:02
